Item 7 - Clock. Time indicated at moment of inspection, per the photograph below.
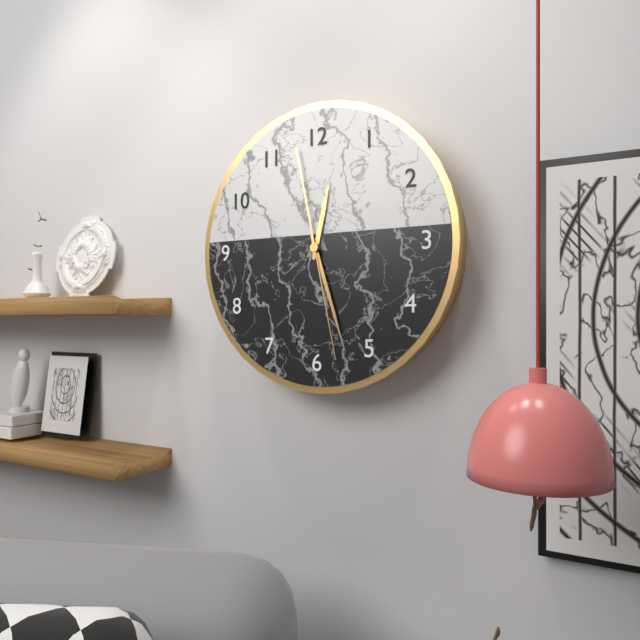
12:27:28
